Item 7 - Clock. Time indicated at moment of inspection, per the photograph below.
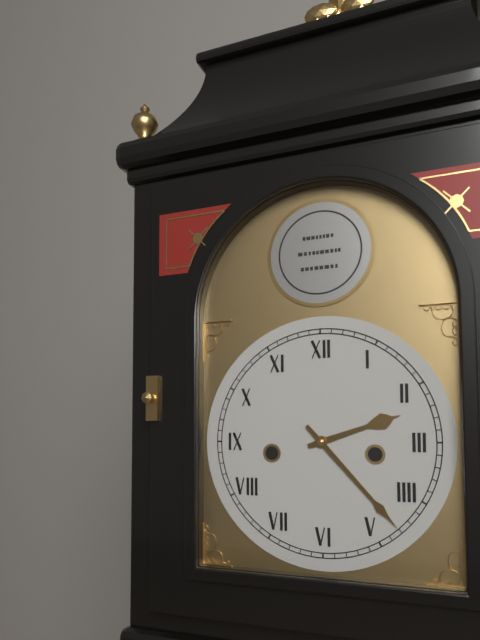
2:23
